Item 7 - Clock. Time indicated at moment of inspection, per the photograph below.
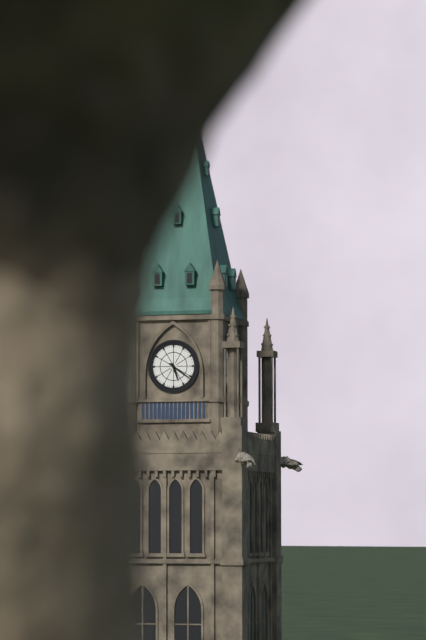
5:21
